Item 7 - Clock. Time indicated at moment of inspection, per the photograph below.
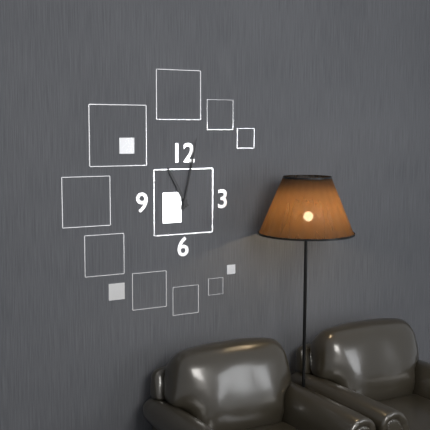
11:02:02
